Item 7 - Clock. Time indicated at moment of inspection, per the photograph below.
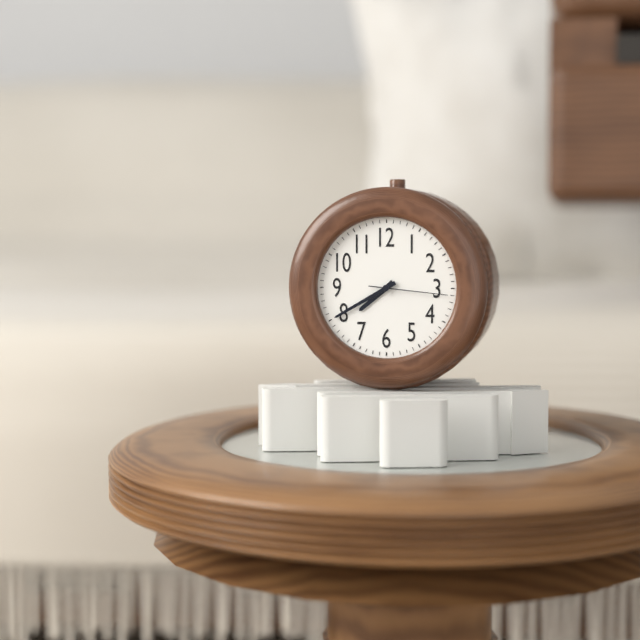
7:40:16
